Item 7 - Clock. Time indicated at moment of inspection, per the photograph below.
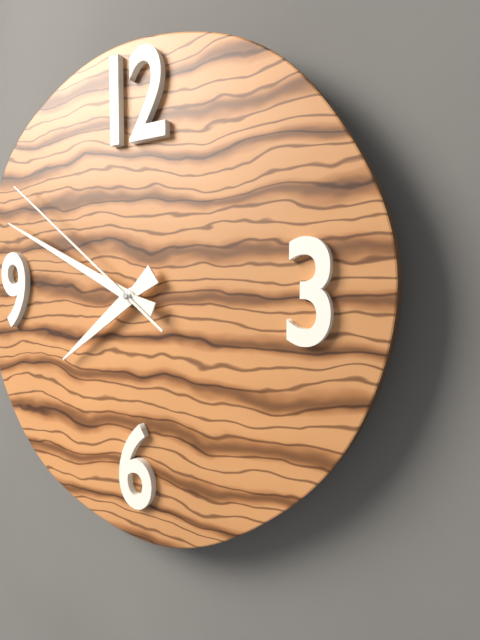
7:49:51
